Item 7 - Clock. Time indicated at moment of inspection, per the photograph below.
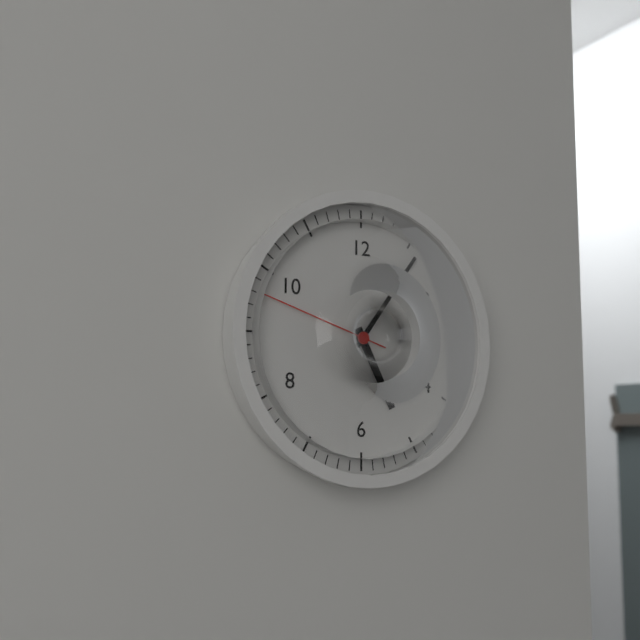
5:06:48
